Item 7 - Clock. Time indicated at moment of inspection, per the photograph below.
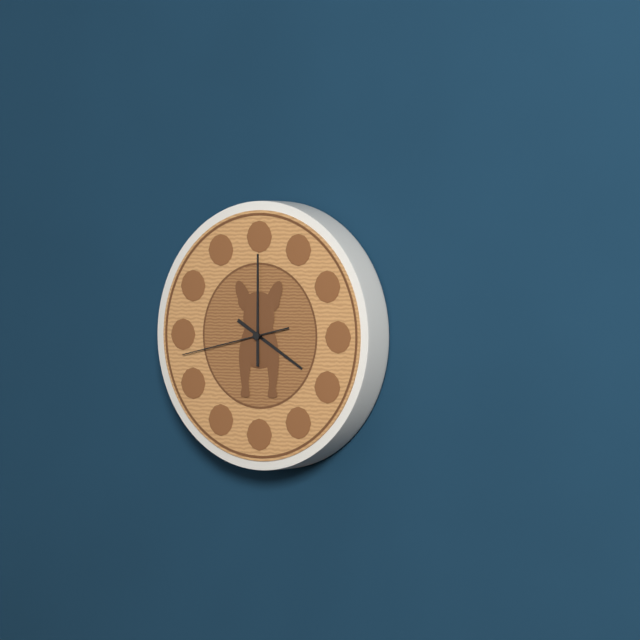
4:00:43
